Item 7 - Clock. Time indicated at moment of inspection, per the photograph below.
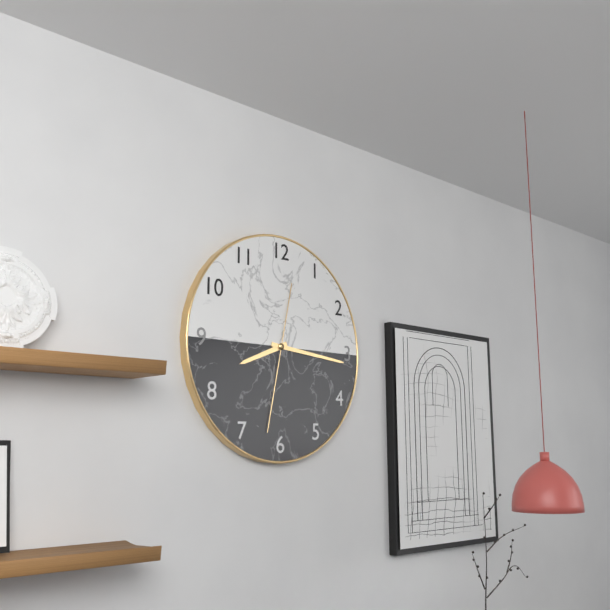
8:16:32
